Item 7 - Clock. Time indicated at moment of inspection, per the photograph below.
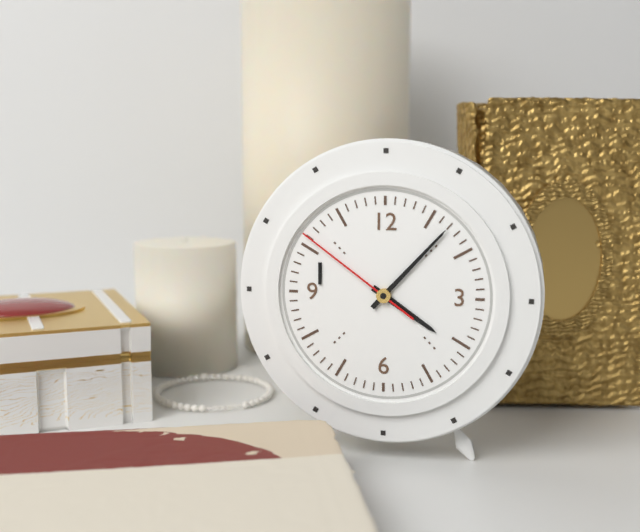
4:07:51
